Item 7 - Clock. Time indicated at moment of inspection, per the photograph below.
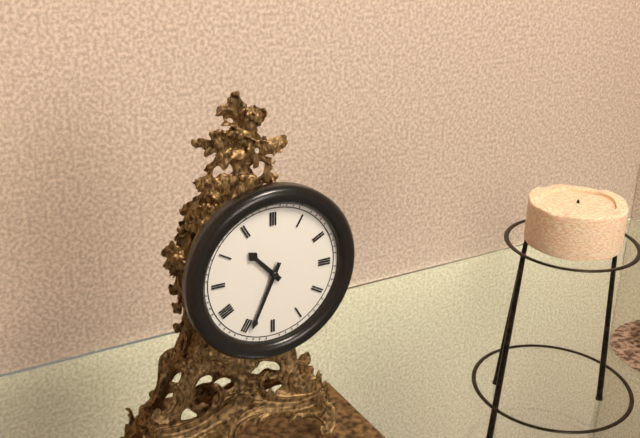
10:34
